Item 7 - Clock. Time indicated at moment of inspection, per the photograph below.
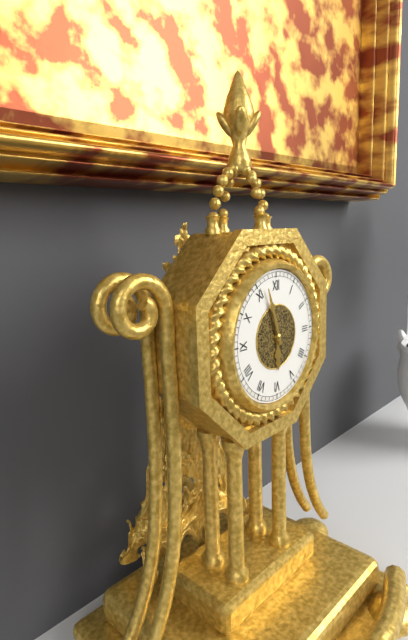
5:57
